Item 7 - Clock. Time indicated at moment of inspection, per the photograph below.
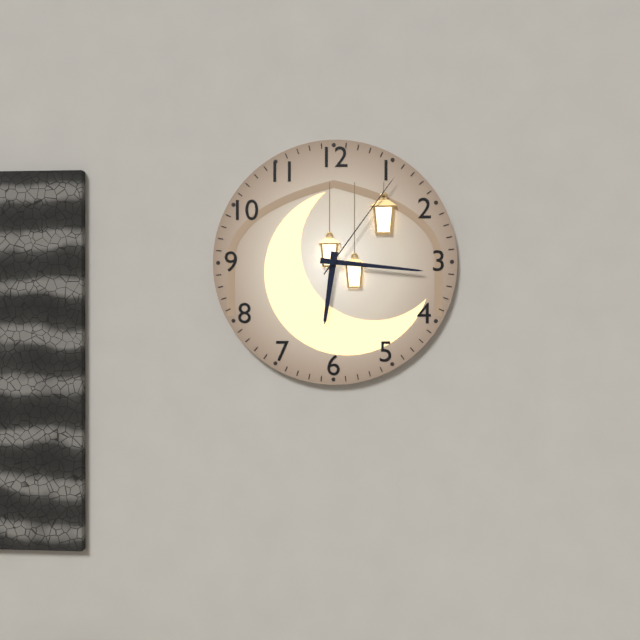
6:16:06
